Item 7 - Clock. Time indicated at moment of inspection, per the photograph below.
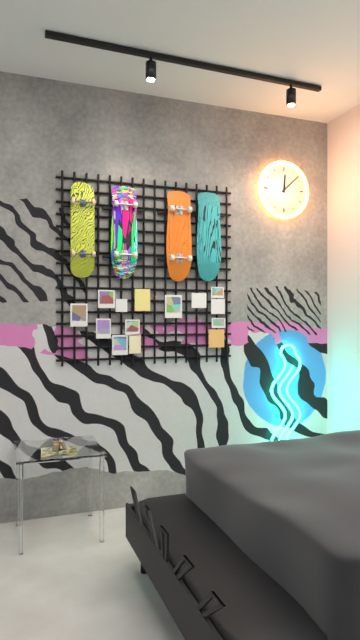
12:08
